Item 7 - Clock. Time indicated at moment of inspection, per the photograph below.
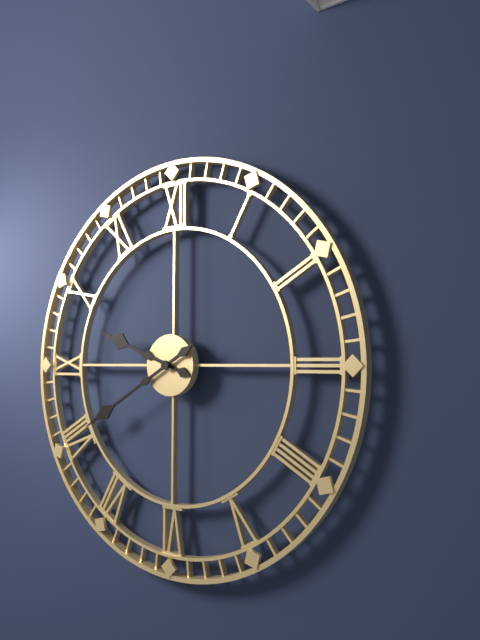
9:40
